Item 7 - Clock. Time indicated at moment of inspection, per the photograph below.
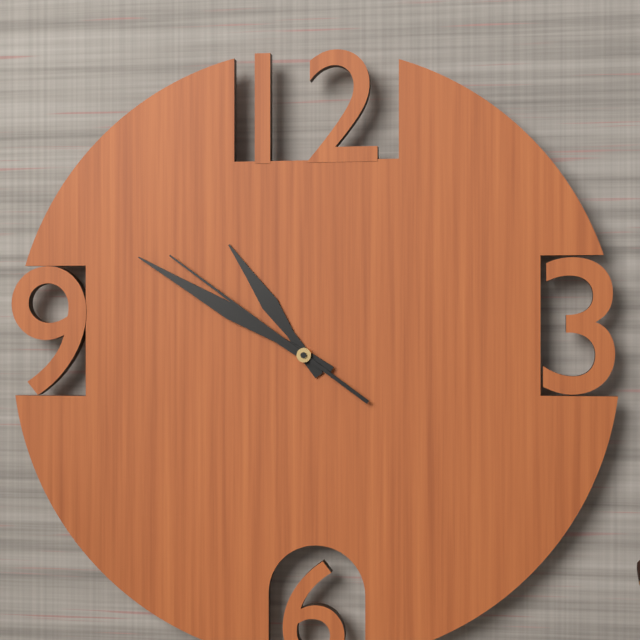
10:50:51
